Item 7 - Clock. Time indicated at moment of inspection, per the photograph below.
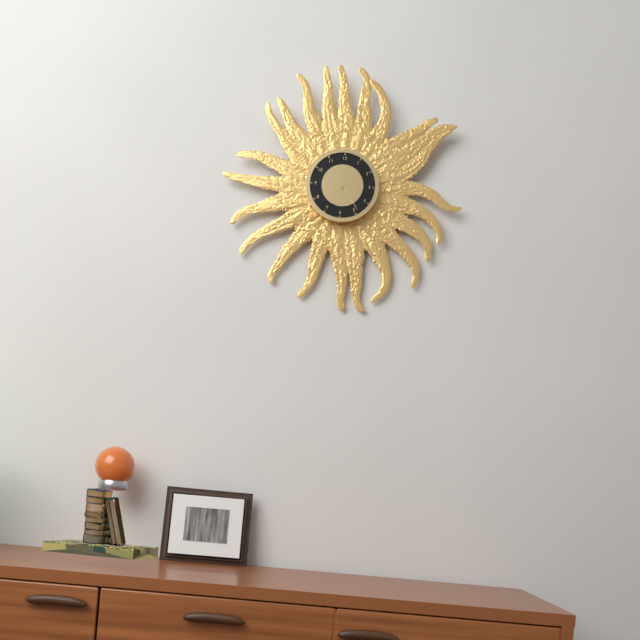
12:24
